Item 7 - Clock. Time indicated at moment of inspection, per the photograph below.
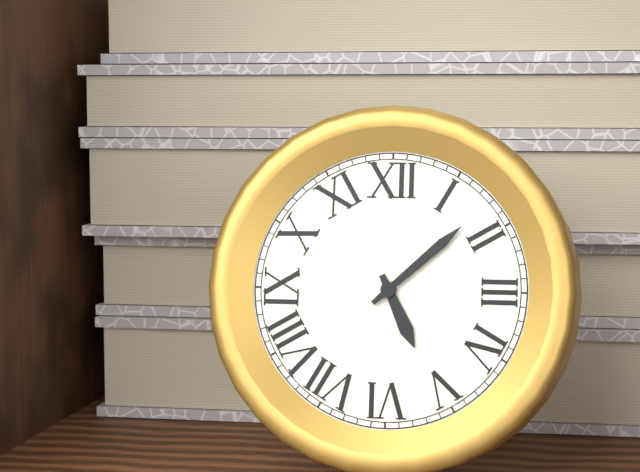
5:08
